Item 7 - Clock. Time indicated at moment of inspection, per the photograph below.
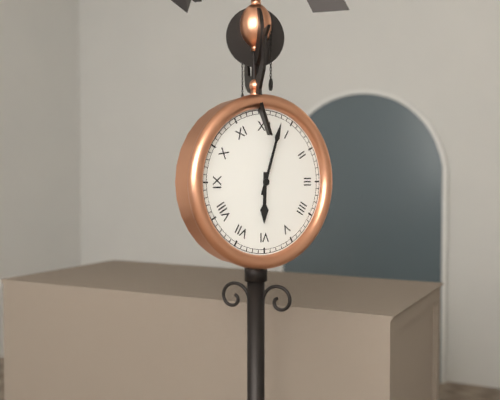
6:03
